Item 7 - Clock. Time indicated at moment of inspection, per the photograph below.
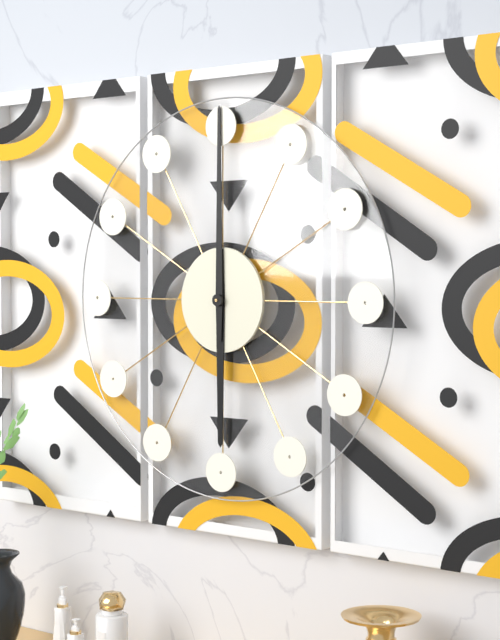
6:00
